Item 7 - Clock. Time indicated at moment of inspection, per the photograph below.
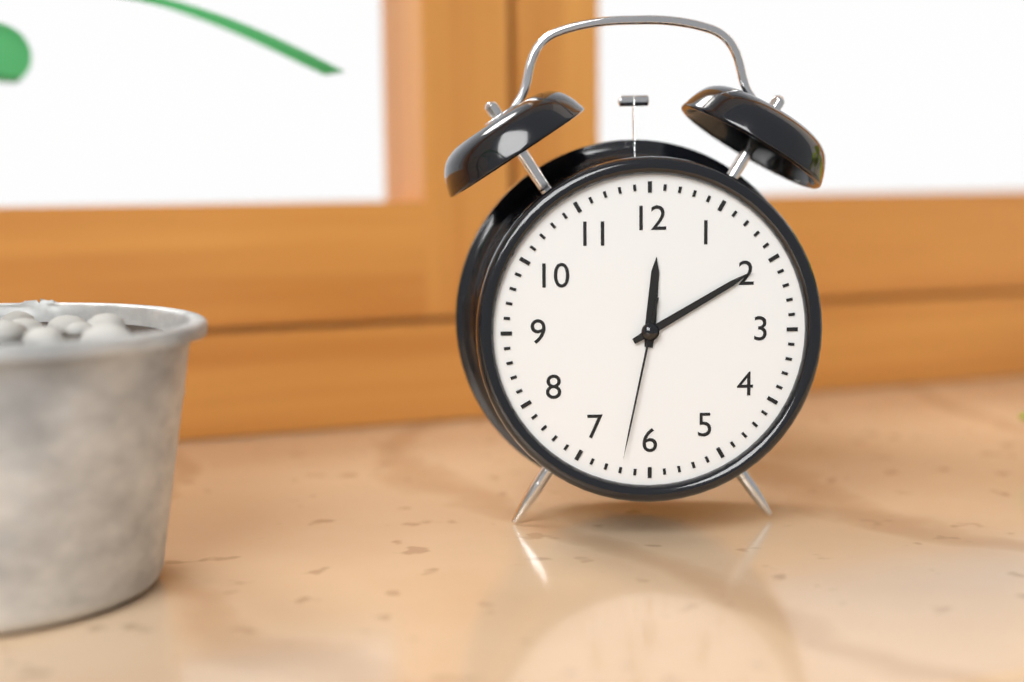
12:10:32
